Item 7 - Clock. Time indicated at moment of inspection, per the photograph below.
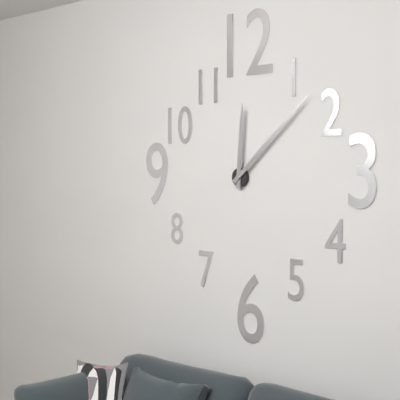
12:08
